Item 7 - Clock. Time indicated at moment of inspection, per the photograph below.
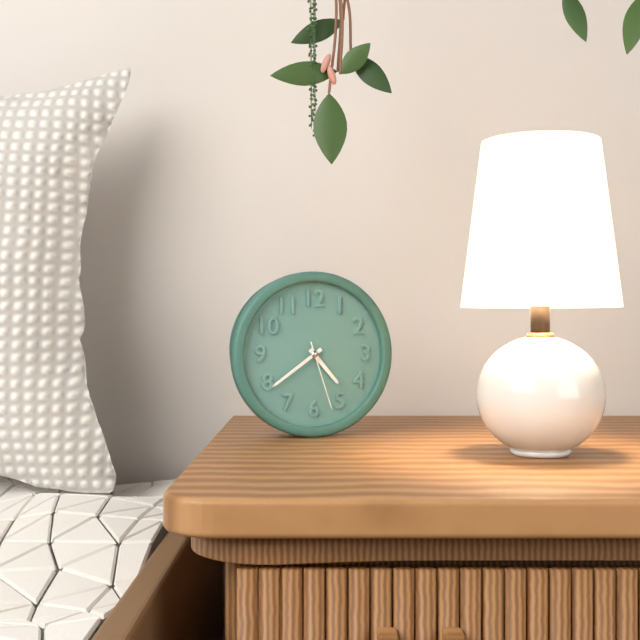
4:39:27
